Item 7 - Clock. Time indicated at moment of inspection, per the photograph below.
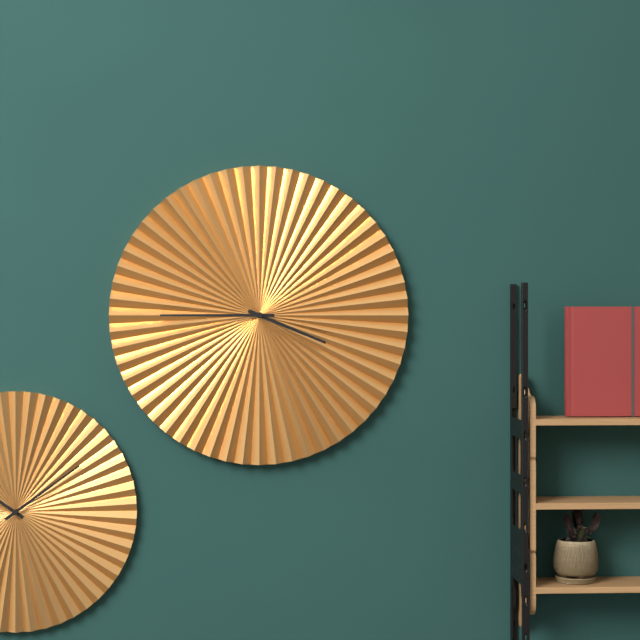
3:45
